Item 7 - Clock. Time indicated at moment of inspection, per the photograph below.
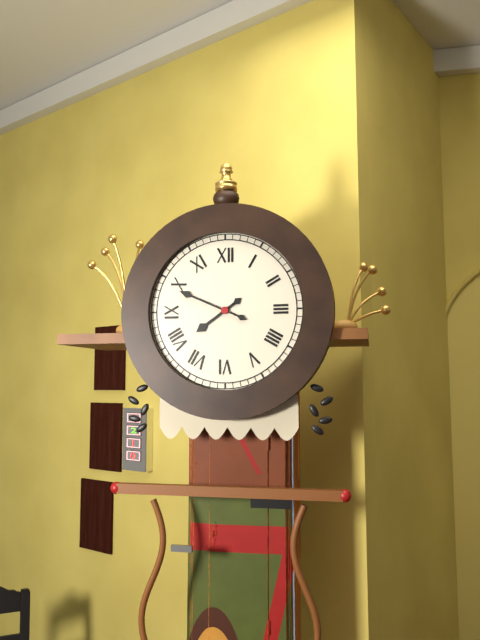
7:49
